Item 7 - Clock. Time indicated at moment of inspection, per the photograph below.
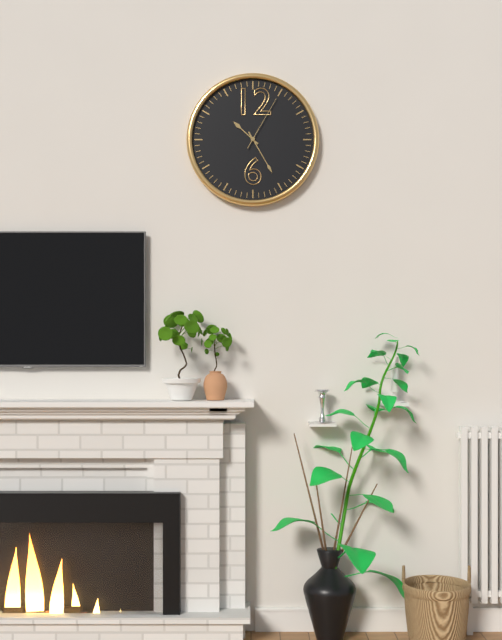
10:25:05
